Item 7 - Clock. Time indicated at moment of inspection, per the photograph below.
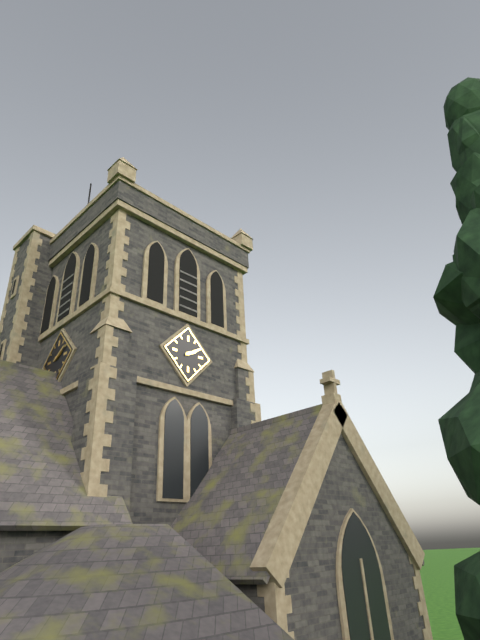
2:10
